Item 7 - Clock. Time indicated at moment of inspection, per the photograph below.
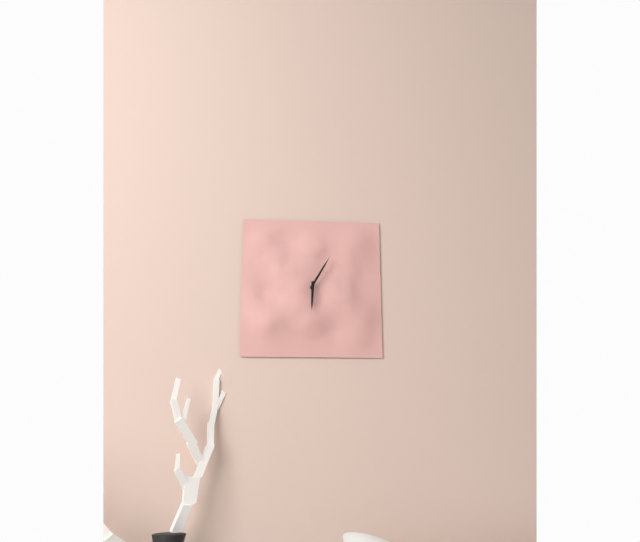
6:05
